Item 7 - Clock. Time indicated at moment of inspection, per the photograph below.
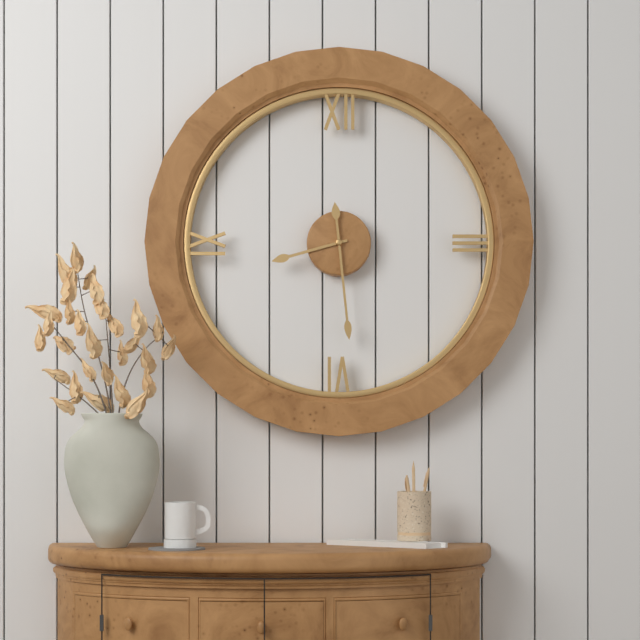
8:29
